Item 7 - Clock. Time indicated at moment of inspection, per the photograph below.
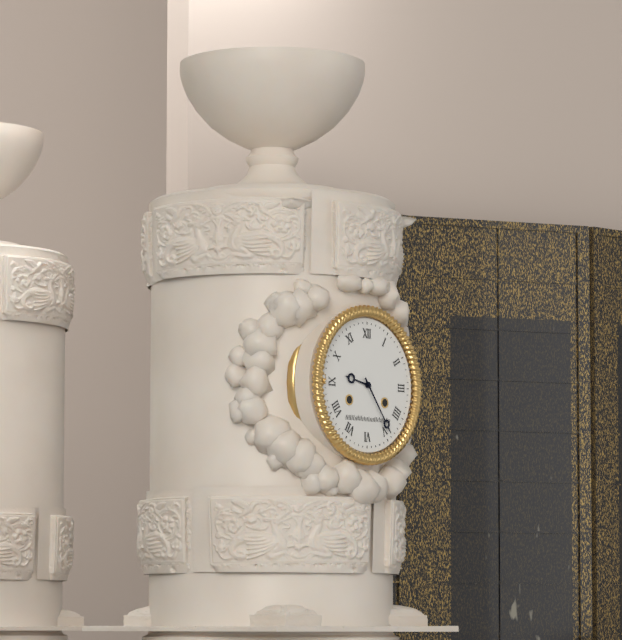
9:24
